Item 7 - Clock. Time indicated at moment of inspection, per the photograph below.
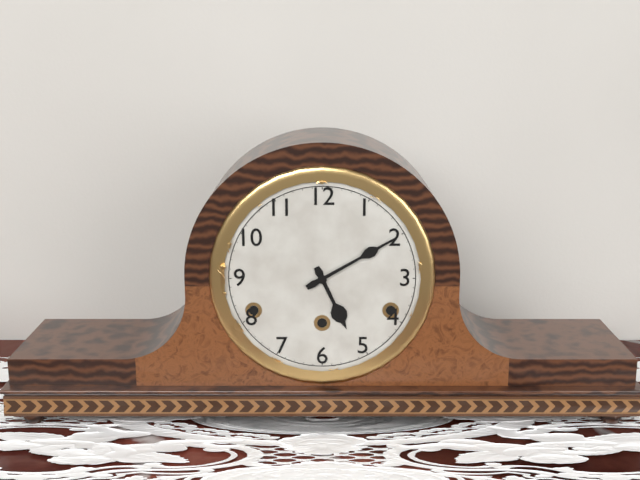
5:10
